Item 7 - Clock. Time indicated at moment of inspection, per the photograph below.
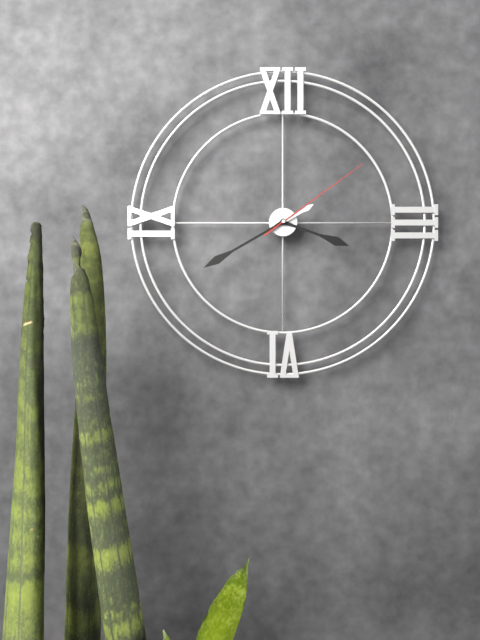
3:40:09
